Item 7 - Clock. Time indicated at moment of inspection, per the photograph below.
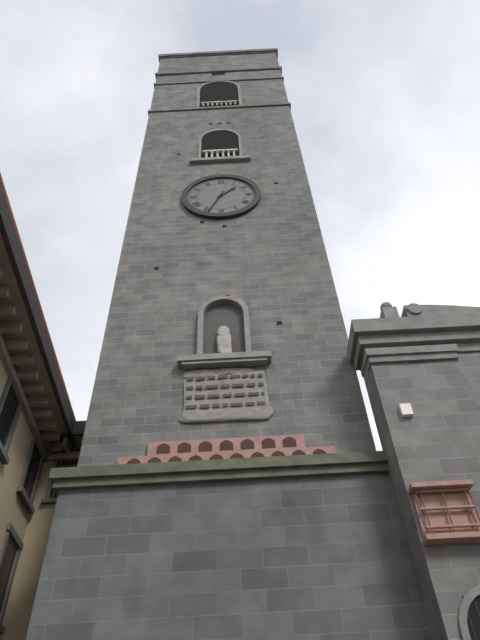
1:34
